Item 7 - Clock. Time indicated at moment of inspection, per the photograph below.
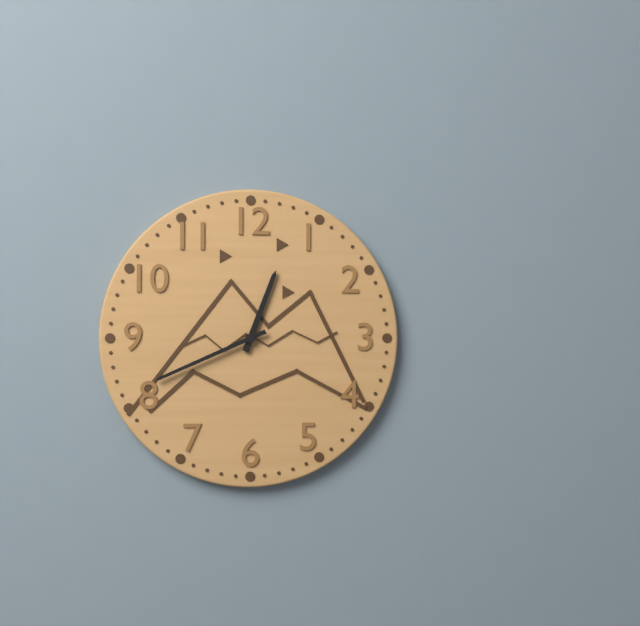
12:41
